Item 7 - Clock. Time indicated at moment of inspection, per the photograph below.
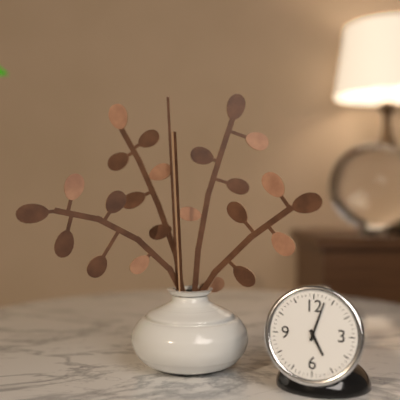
5:03
